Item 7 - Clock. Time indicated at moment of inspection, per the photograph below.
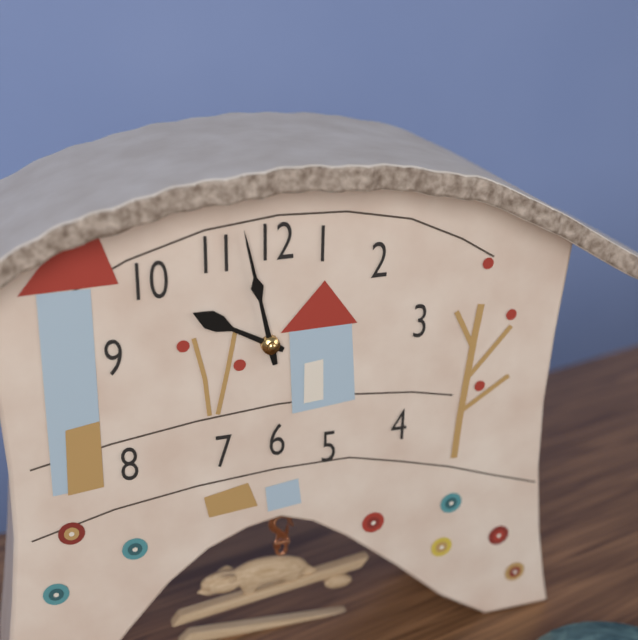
9:58
